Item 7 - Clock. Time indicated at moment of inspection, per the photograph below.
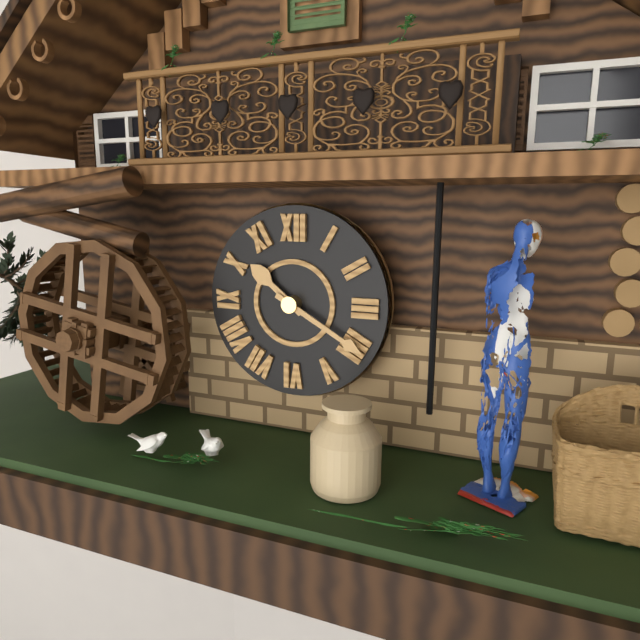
10:20
